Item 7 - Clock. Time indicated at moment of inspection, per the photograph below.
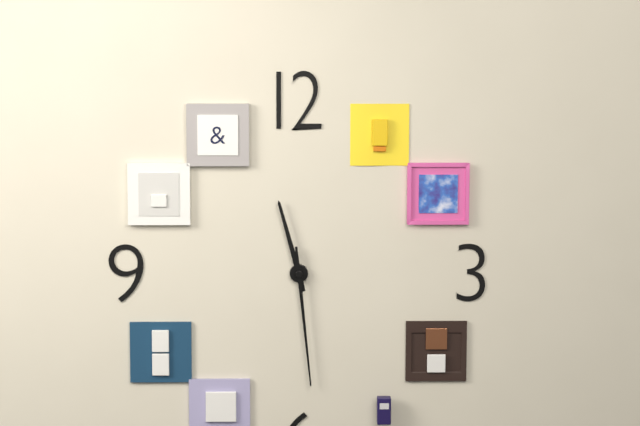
11:29
